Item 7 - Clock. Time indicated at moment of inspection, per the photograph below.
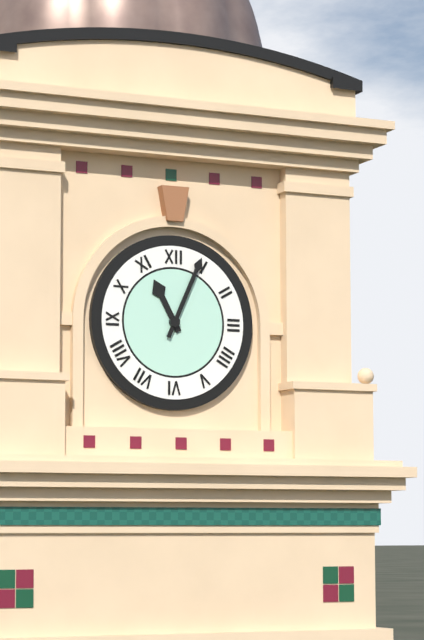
11:04
